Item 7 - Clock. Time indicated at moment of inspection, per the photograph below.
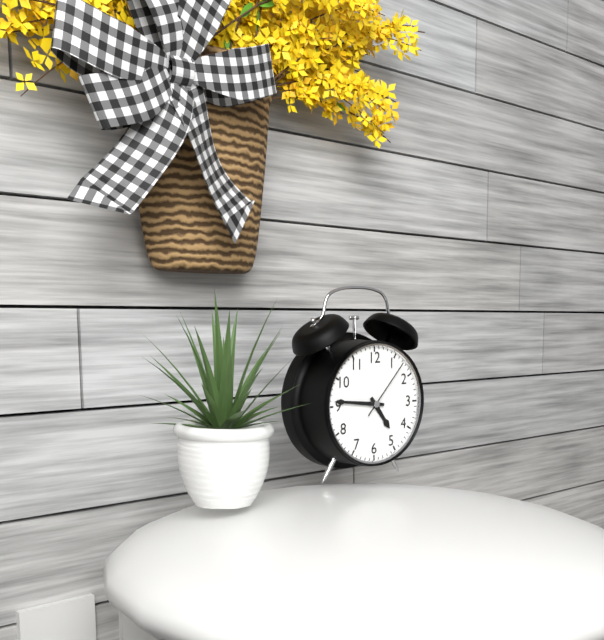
4:46:07
